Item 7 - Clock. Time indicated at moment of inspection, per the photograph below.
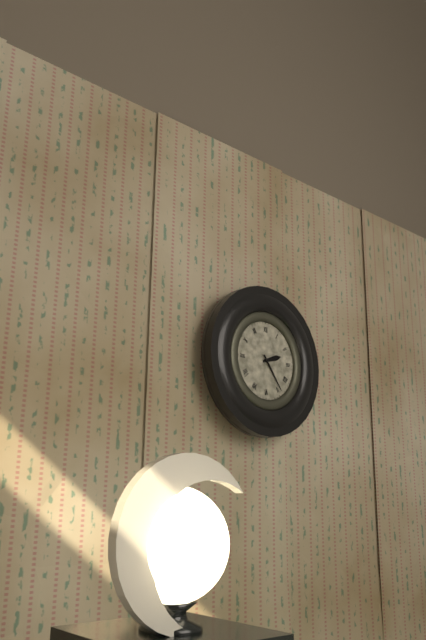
2:24
